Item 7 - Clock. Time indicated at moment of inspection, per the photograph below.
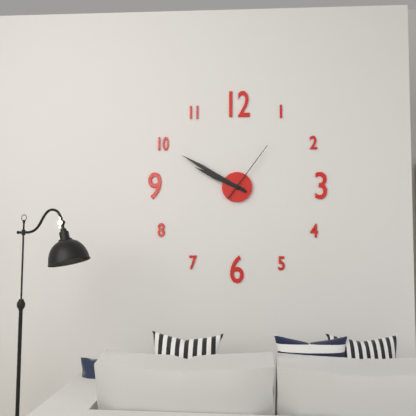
9:50:06
